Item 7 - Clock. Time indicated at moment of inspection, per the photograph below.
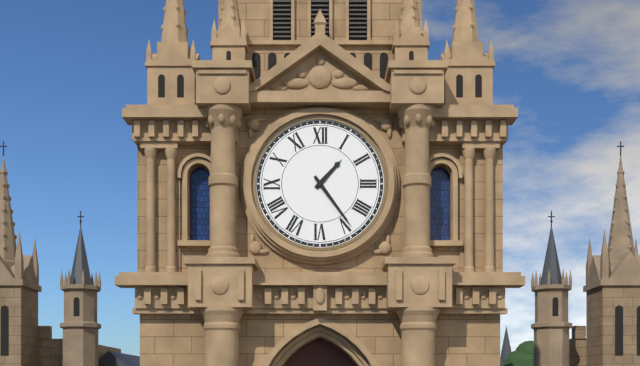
1:24
